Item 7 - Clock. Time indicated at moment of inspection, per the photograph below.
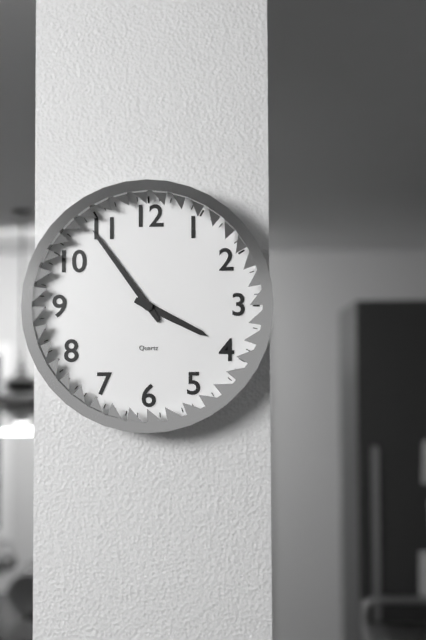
3:54
